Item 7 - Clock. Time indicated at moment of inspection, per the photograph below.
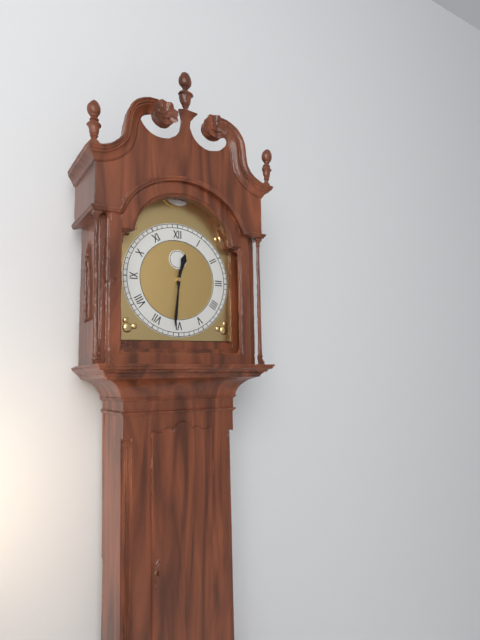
12:31
